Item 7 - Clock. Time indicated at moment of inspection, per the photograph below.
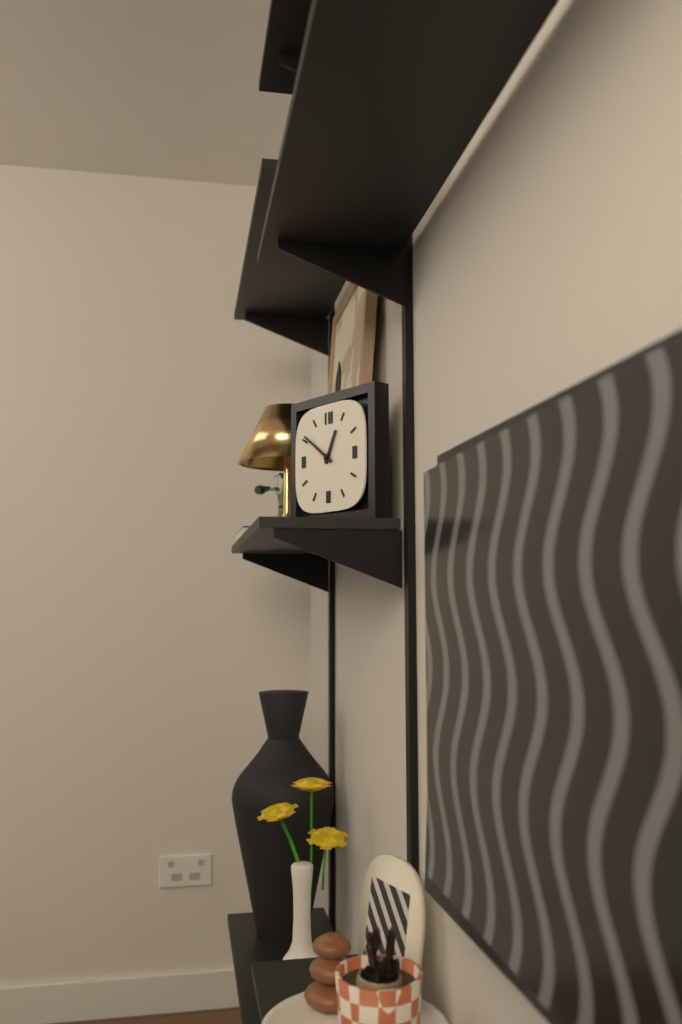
12:51
